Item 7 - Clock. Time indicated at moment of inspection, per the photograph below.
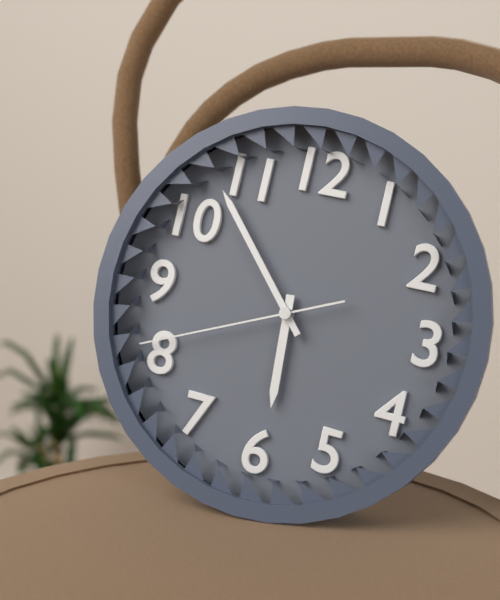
5:53:41
